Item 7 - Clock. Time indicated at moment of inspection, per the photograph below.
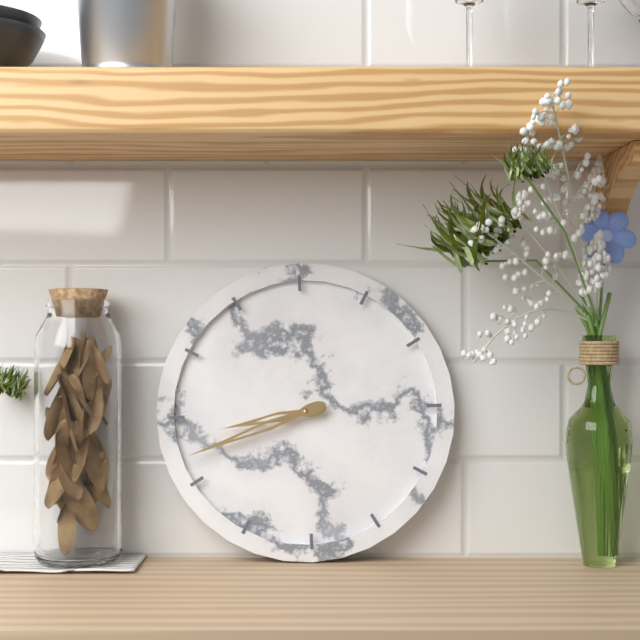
8:42
